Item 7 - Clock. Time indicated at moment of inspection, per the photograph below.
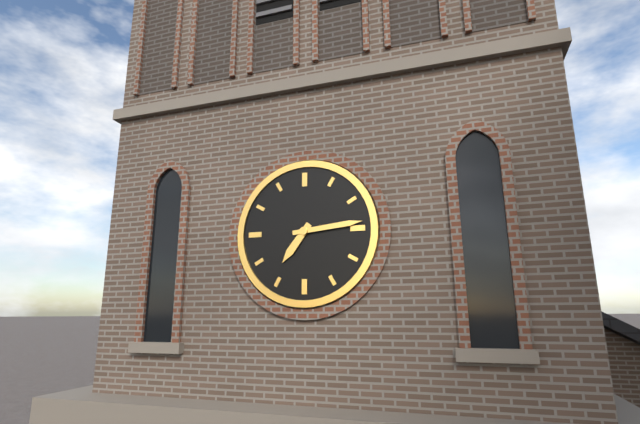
7:14
